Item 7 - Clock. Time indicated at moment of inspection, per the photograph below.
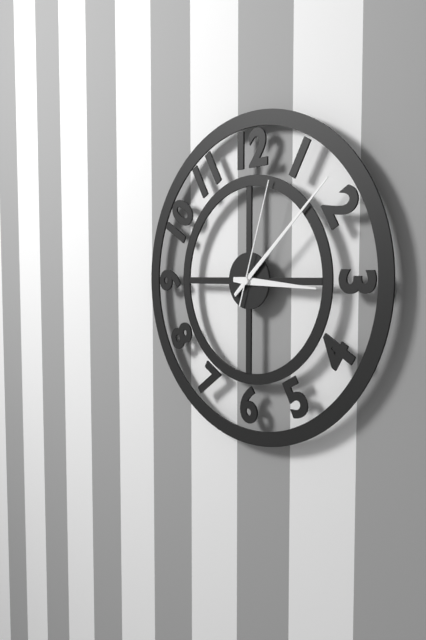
3:08:03
